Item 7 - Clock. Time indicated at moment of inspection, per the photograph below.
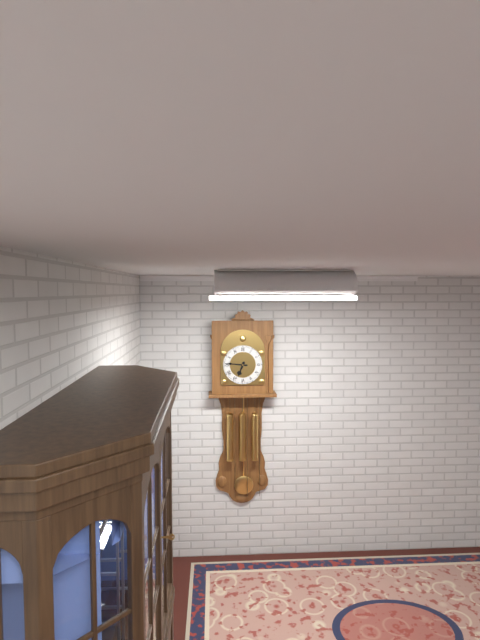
6:46
